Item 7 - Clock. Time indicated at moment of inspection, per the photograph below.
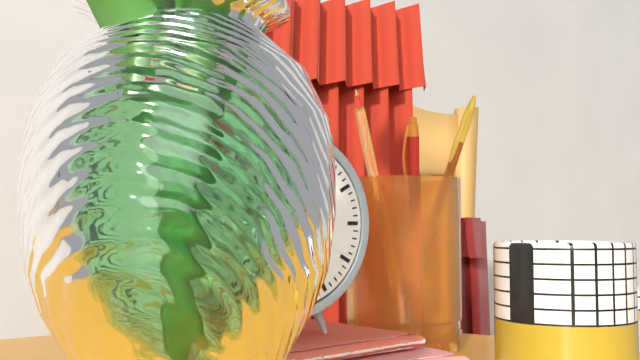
12:33
